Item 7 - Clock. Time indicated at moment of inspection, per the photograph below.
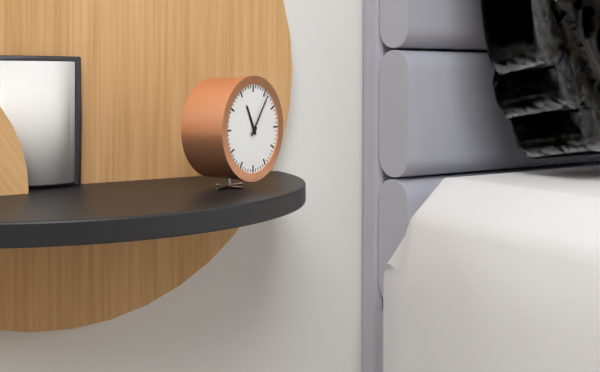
11:06
